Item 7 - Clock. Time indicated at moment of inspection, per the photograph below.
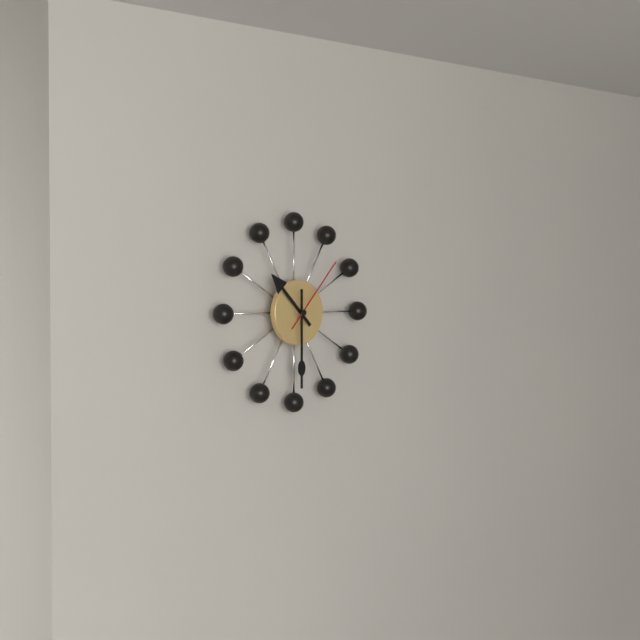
10:30:07
